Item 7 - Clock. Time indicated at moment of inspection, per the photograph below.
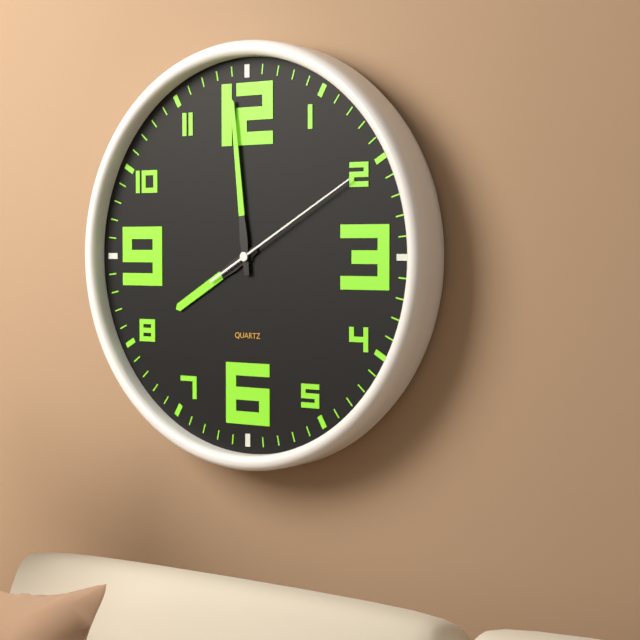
7:59:10
